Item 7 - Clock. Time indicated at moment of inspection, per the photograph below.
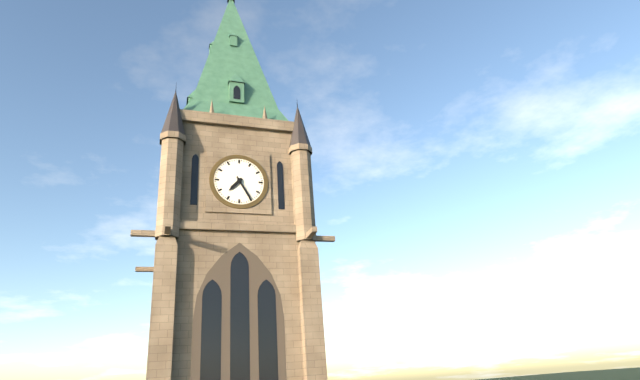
7:25
